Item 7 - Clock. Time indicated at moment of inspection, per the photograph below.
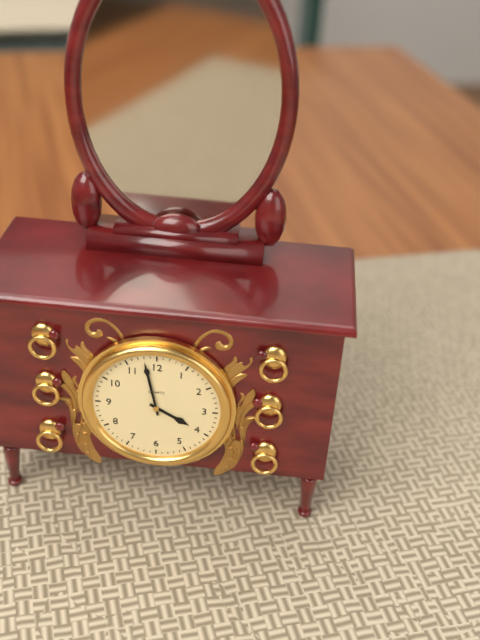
3:58
